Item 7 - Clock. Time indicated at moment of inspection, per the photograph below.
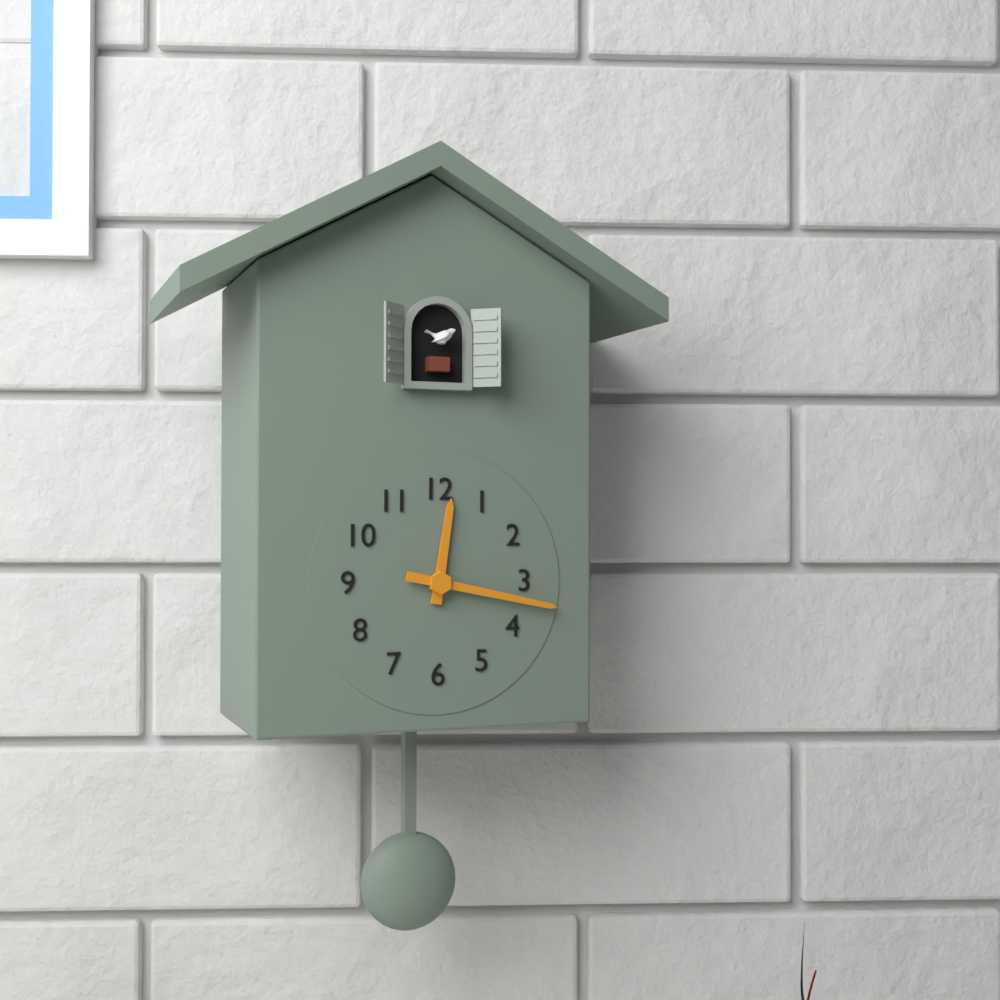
12:17
